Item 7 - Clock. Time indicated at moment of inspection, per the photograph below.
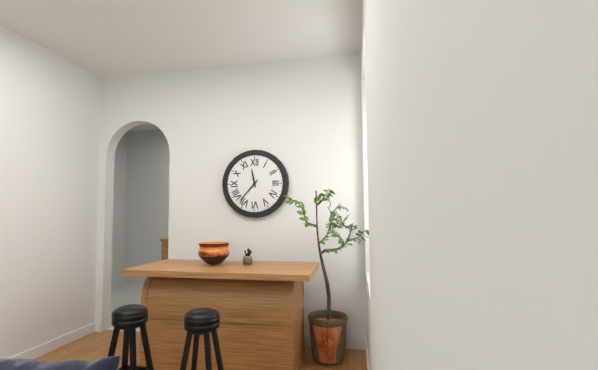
11:37
